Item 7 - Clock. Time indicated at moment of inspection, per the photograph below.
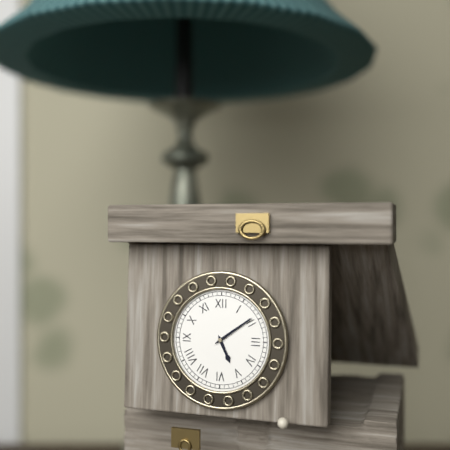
5:09
